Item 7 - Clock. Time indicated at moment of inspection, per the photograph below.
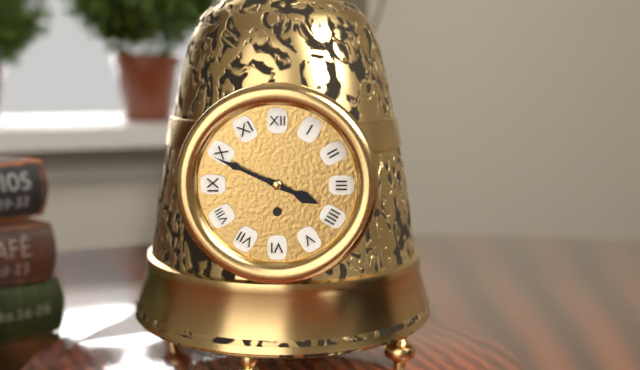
3:49
